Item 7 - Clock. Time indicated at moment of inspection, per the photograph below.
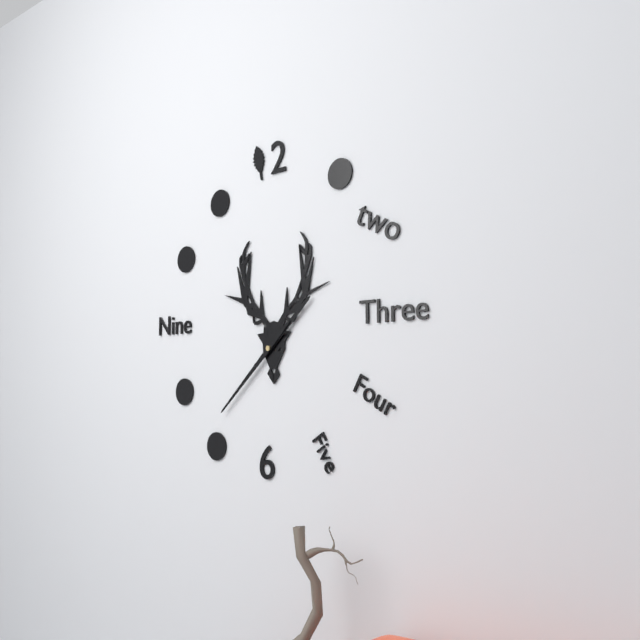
1:38
